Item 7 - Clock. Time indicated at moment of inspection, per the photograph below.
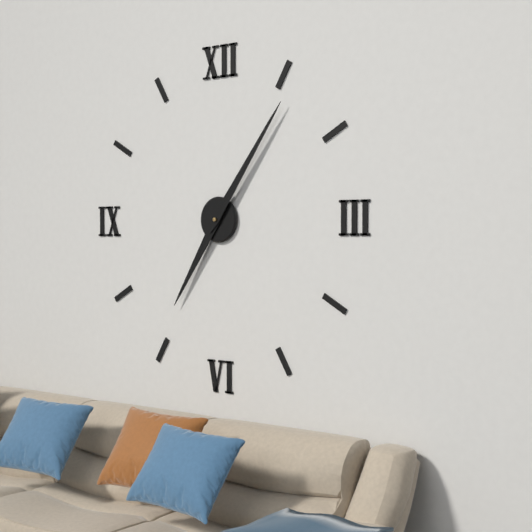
7:06
